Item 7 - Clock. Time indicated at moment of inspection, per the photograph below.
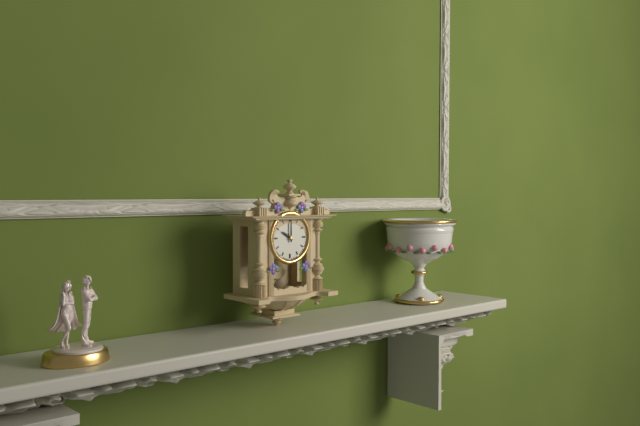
10:00
